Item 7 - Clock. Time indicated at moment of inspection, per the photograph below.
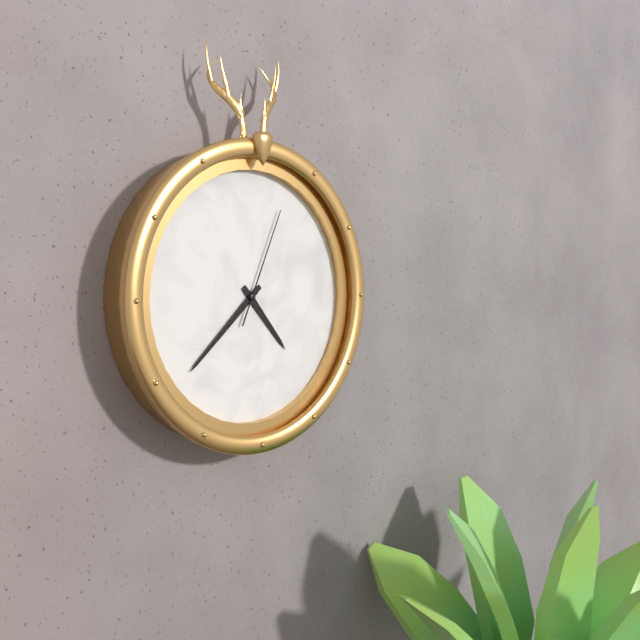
4:38:04
